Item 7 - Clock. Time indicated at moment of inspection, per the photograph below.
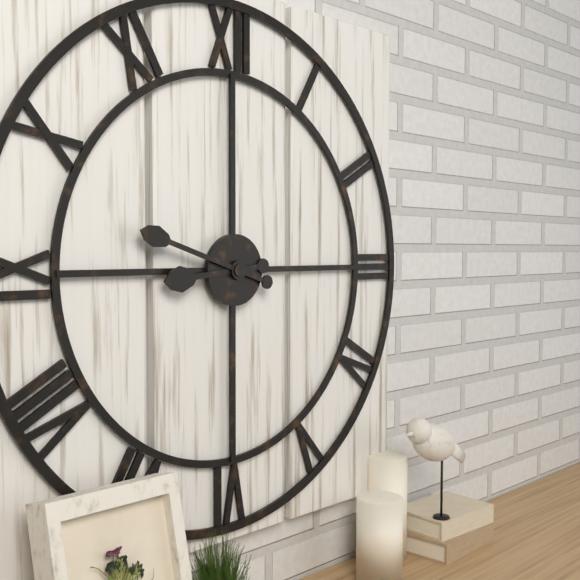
8:48
